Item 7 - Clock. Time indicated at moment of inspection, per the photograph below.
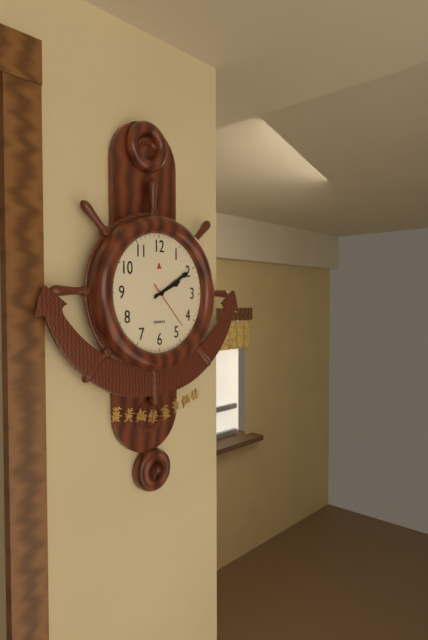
2:10
